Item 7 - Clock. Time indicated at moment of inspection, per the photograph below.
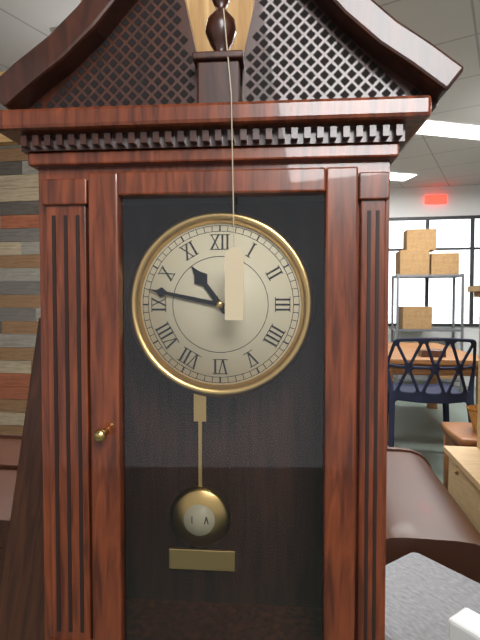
10:47
